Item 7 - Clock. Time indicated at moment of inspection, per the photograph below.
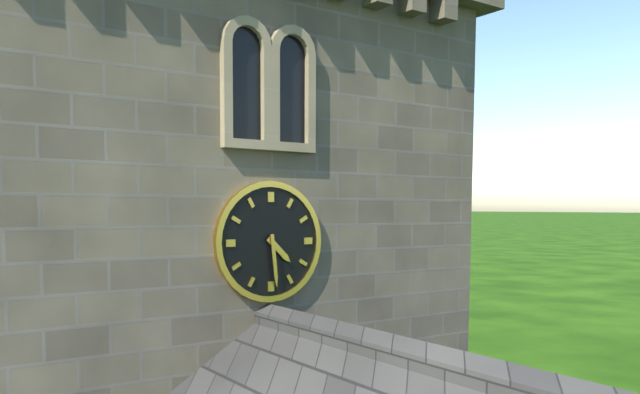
4:29
